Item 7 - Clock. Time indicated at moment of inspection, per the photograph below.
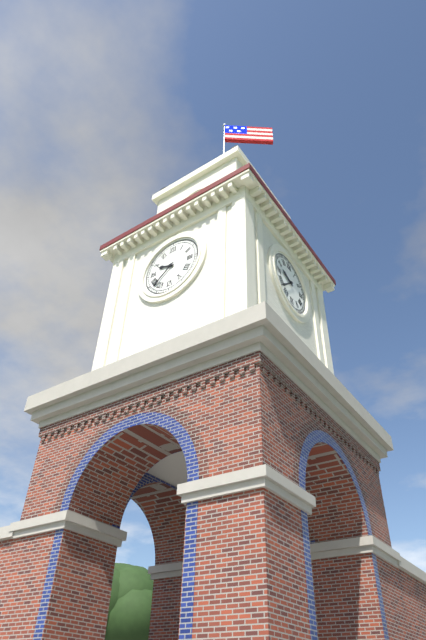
9:38
